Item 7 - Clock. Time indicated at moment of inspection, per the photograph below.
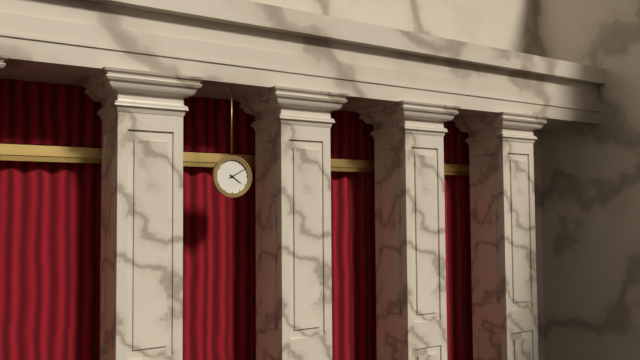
4:10
